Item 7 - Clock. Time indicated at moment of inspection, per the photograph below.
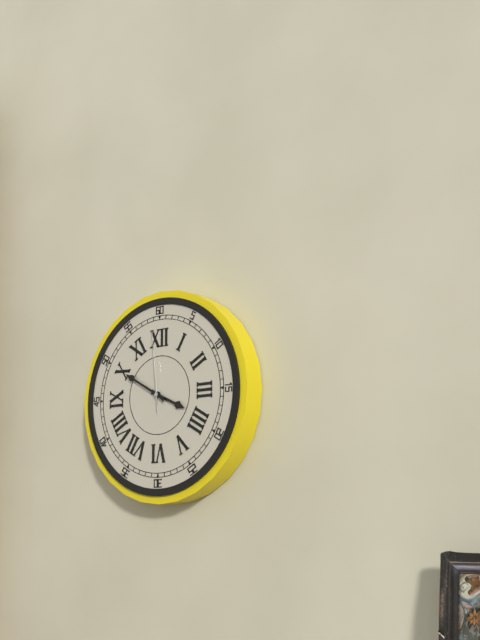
3:50:59
